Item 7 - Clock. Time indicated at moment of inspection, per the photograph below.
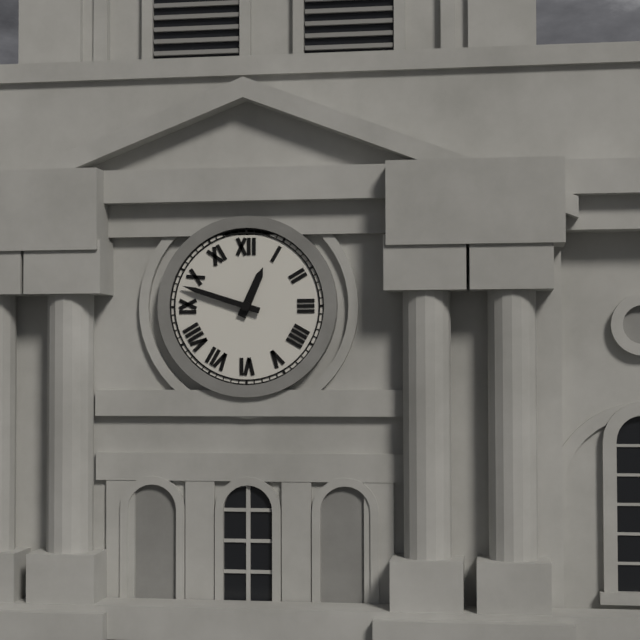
12:48
